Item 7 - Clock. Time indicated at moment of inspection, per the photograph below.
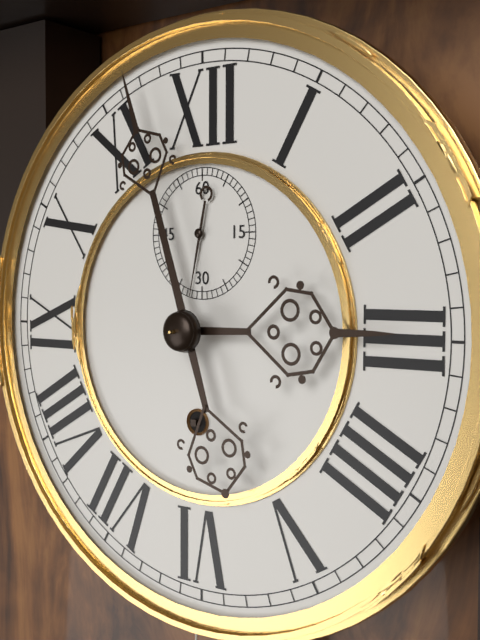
2:57:32
